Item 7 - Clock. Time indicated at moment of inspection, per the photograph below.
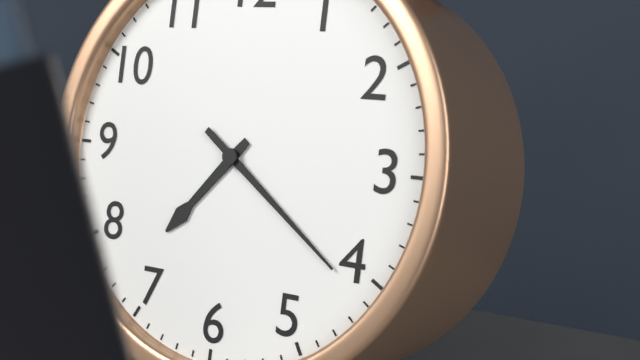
7:21
